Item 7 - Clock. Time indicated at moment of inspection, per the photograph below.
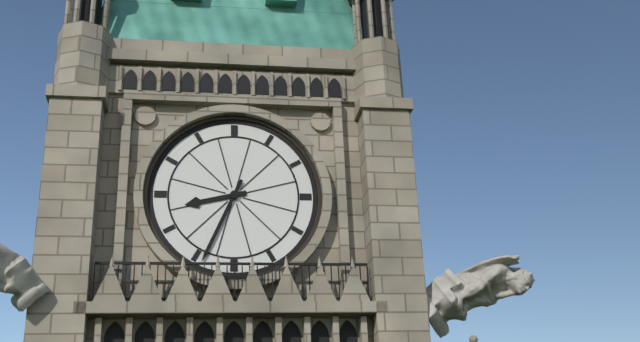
8:34
